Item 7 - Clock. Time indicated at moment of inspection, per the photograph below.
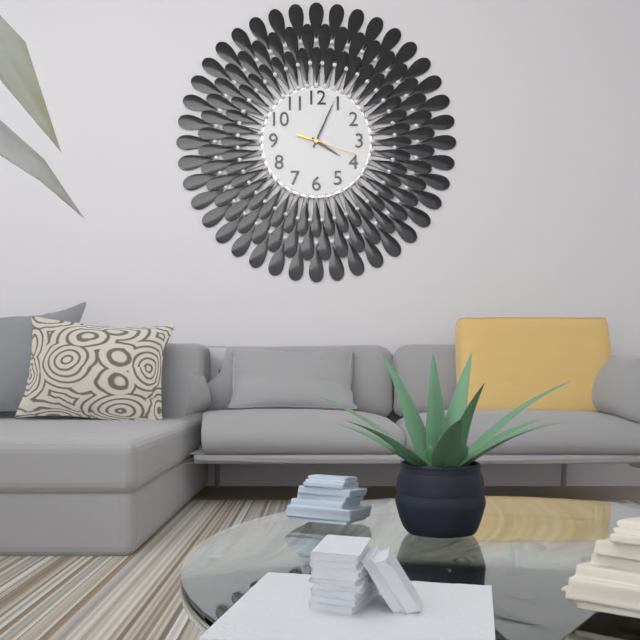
4:04:18
